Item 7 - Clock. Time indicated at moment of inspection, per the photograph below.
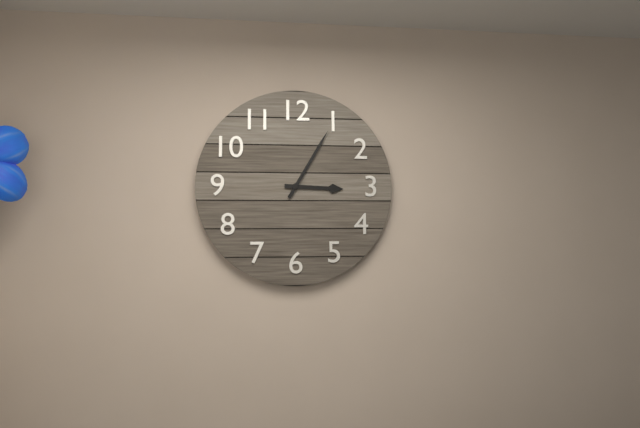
3:05
